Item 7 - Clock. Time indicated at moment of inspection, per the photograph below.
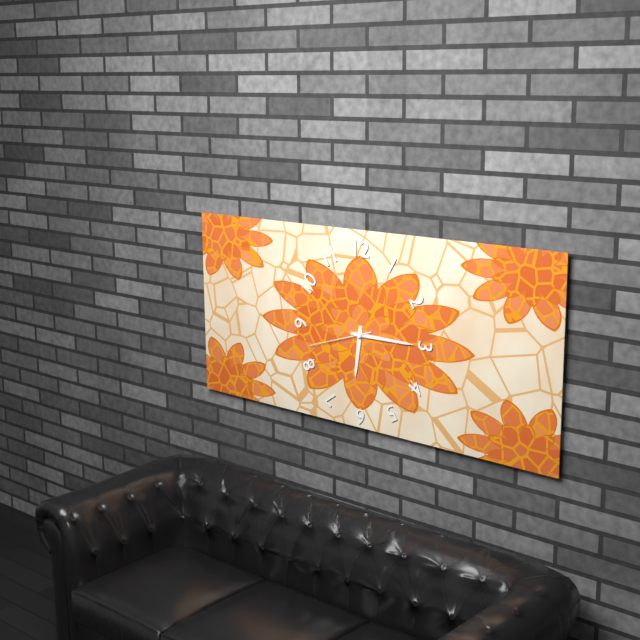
6:15:42
